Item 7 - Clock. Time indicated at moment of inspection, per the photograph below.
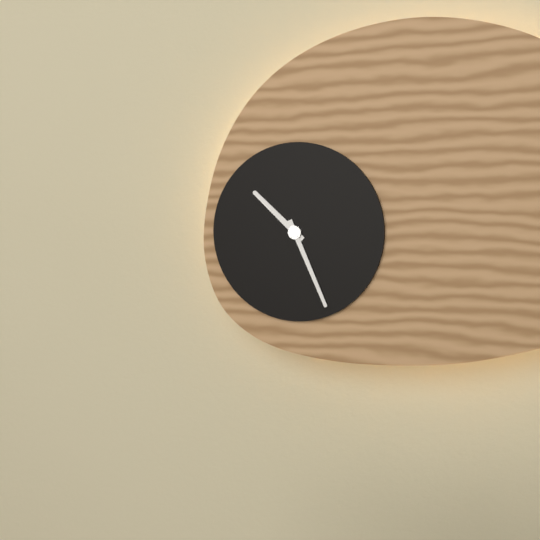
10:26
